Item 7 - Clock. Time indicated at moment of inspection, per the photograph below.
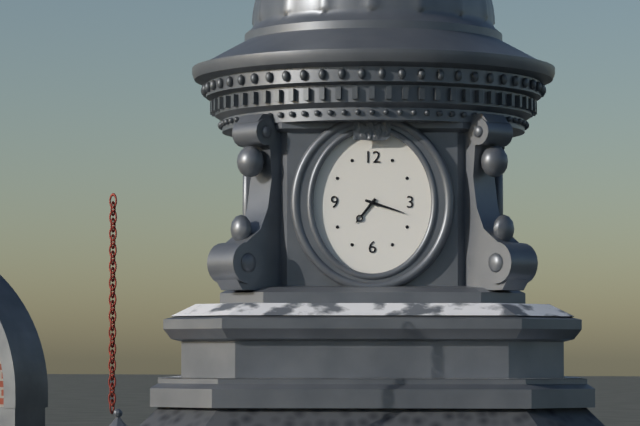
7:18
